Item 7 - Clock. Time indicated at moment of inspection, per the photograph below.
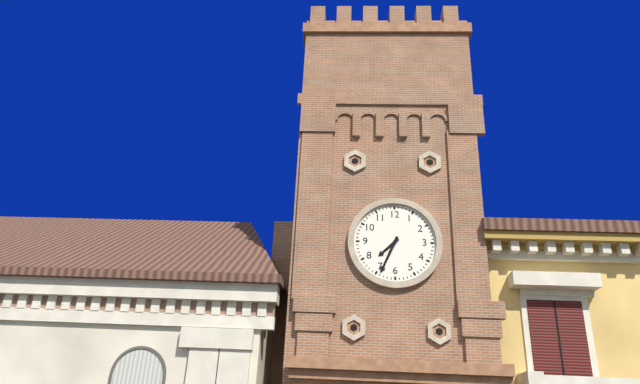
7:34
